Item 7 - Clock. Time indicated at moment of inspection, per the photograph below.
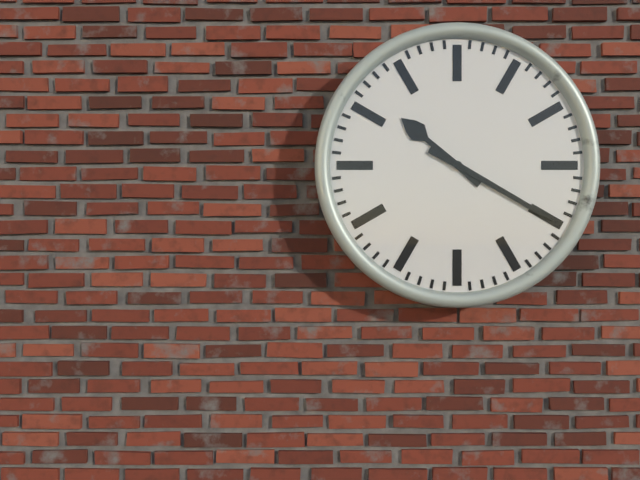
10:20
